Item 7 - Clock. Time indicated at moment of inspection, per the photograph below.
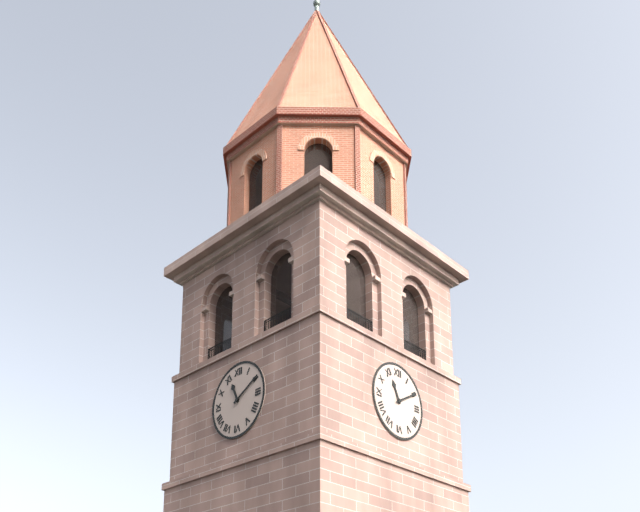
11:10
